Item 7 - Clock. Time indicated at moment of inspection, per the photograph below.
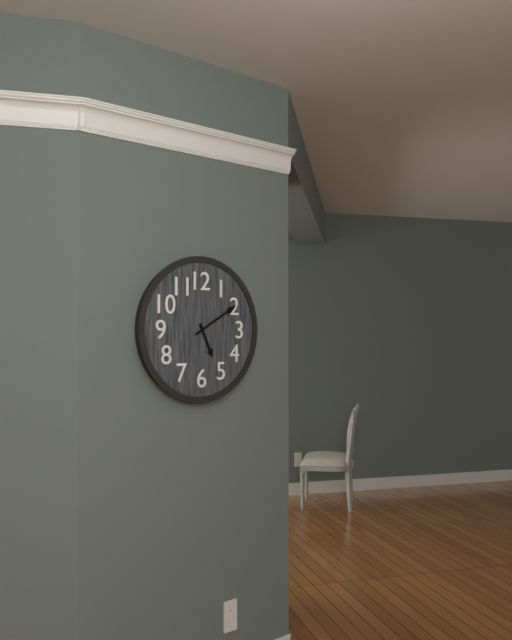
5:10
